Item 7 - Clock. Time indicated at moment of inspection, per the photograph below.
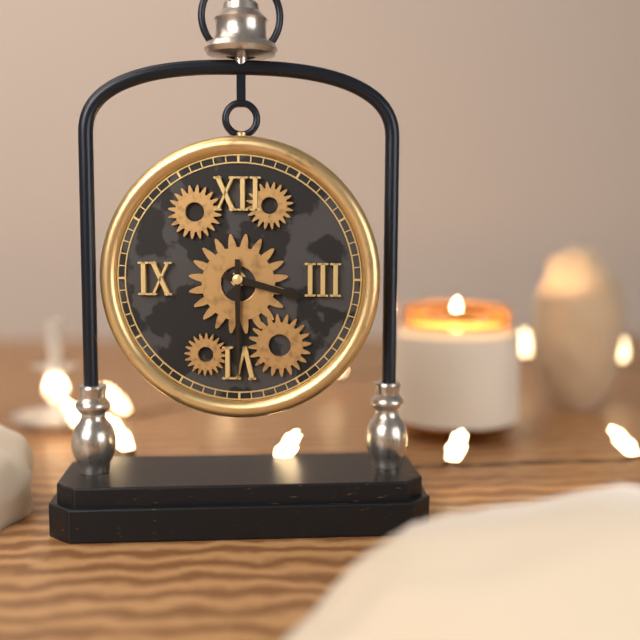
3:30
